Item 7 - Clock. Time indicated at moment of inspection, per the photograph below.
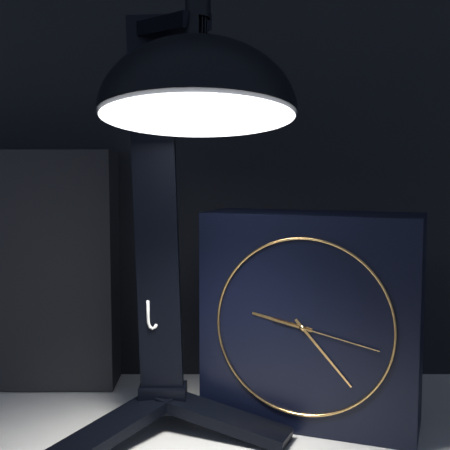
9:23:17
